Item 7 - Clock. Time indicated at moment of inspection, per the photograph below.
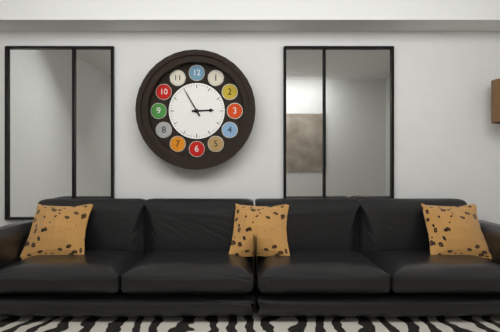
2:55
